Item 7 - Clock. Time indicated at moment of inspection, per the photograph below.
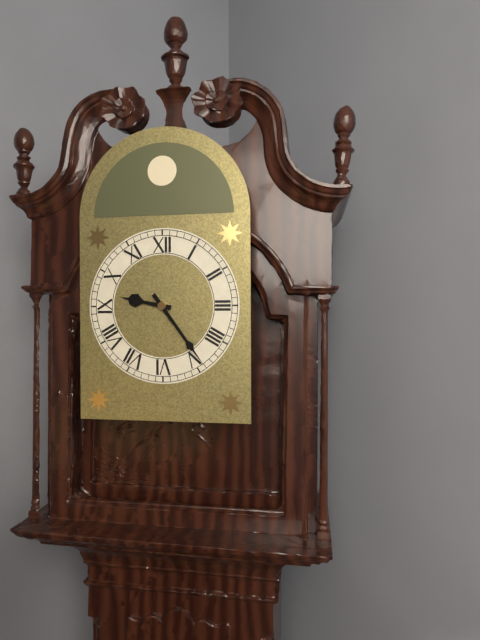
9:24
